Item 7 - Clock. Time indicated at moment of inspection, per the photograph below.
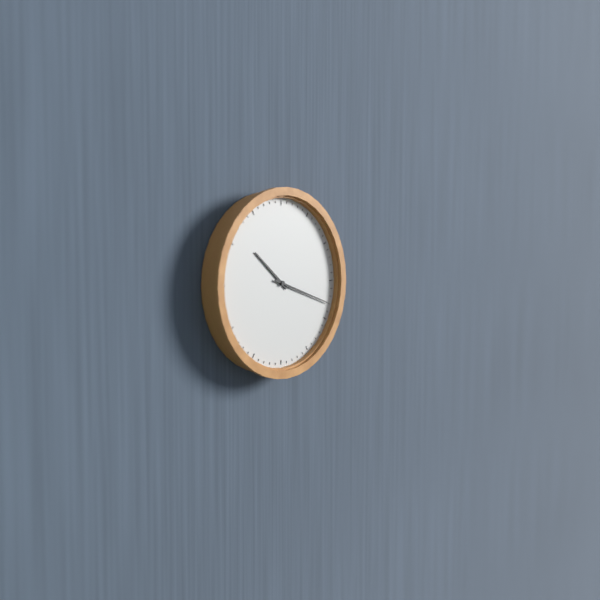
10:18
